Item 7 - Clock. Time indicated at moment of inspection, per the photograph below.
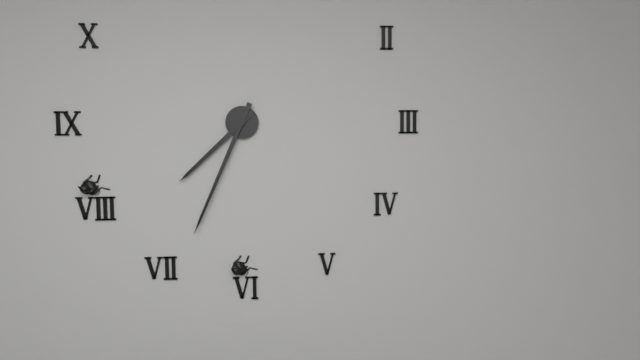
7:34
